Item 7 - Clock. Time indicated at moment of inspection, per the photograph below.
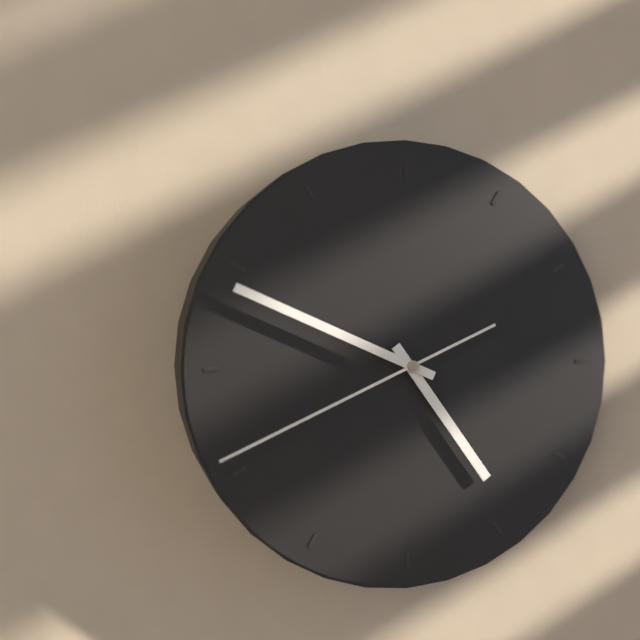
4:49:41
